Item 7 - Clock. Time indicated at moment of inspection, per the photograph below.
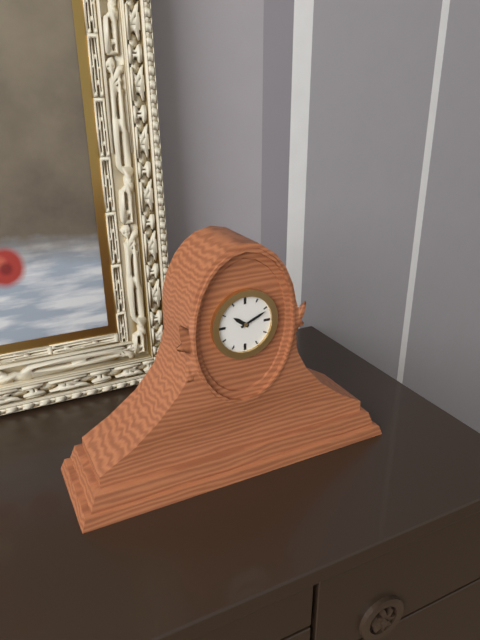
10:11
